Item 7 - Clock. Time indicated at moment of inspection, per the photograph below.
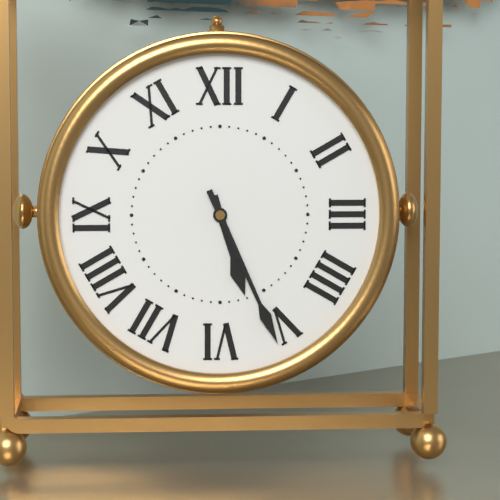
5:26
